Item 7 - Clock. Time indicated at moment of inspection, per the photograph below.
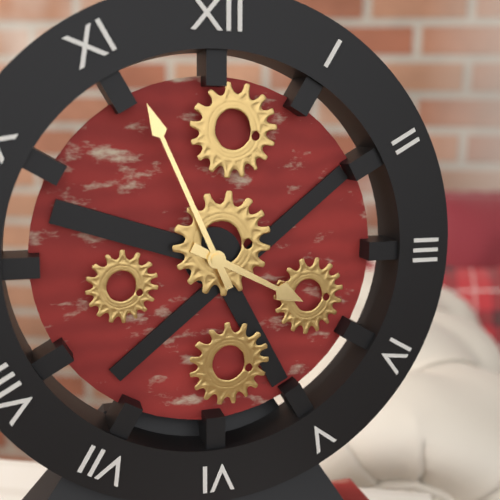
3:56
